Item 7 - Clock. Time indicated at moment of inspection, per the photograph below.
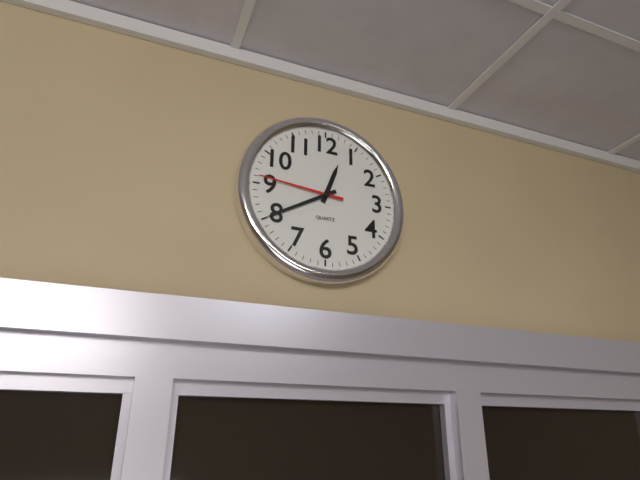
12:40:46
